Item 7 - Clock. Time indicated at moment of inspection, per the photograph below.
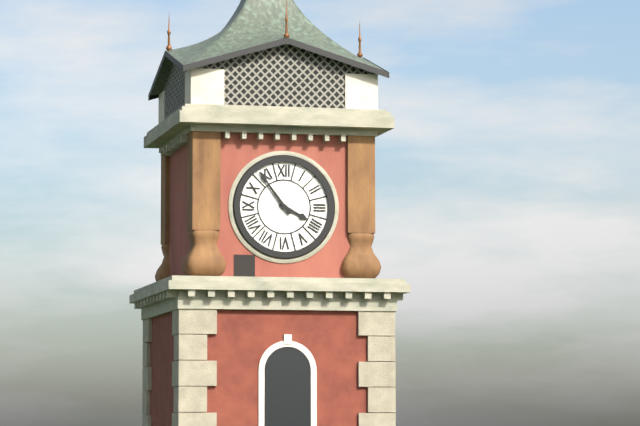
3:54
